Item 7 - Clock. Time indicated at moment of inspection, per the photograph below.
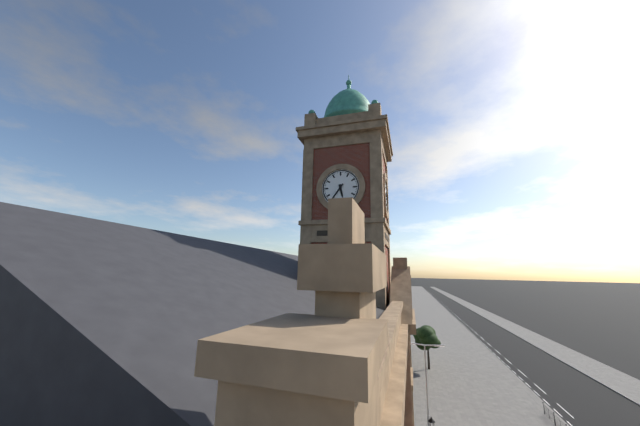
5:36
